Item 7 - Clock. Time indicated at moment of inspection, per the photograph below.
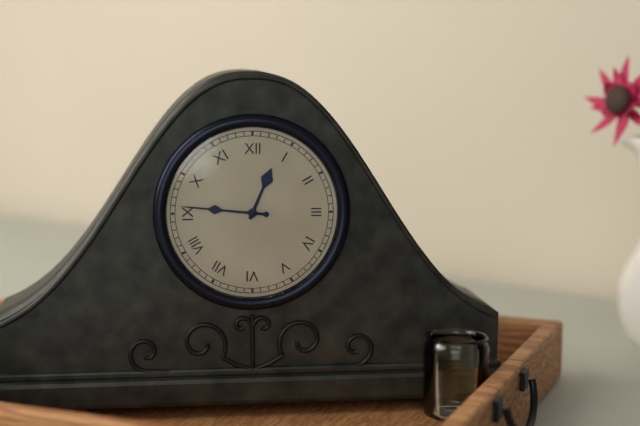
12:46
